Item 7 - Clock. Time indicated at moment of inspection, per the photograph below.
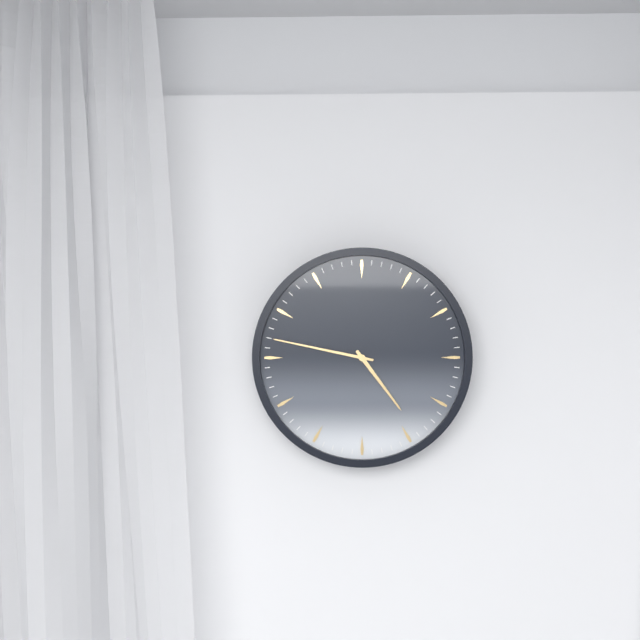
4:47
